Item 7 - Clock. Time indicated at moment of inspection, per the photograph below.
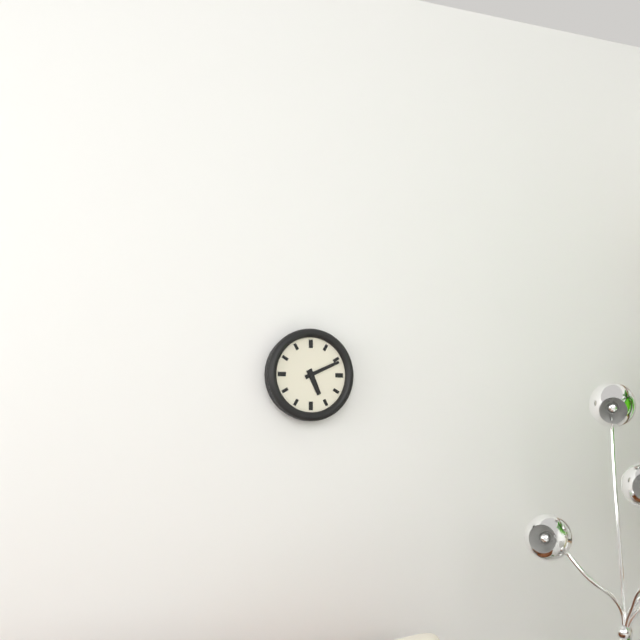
5:11
